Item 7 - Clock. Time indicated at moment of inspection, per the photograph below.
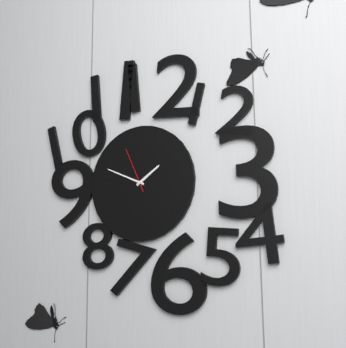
1:49
